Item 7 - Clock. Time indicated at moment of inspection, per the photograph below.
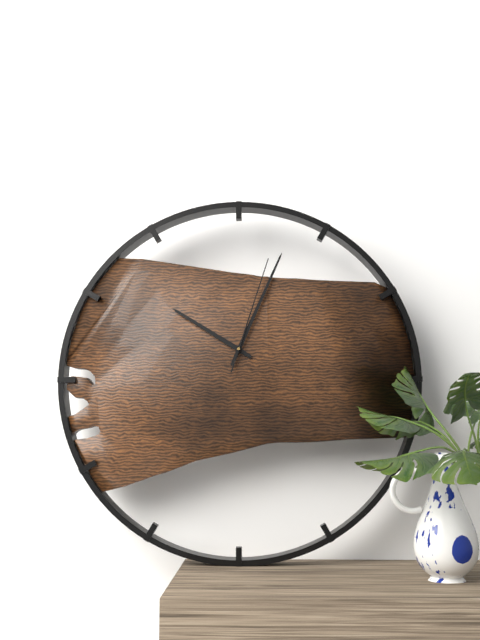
10:04:03
